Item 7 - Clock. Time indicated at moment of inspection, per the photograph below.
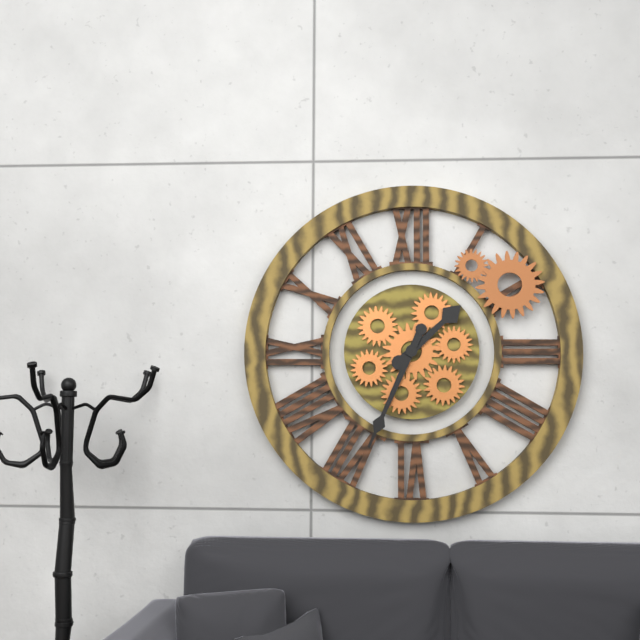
1:34
